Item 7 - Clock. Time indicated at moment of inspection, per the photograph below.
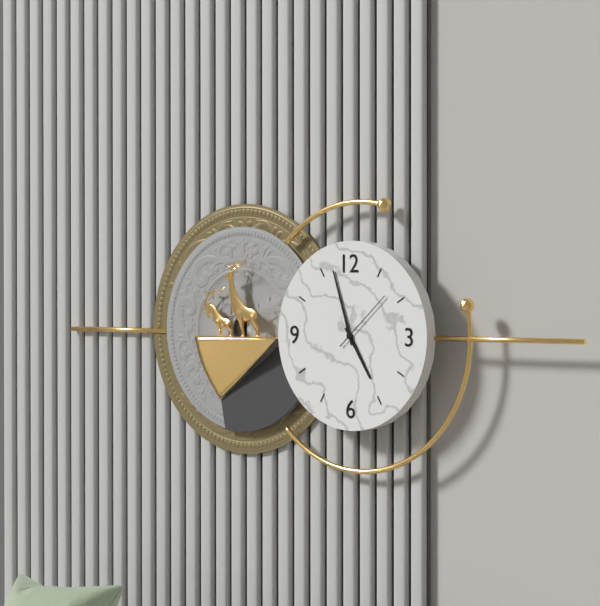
4:57:08
